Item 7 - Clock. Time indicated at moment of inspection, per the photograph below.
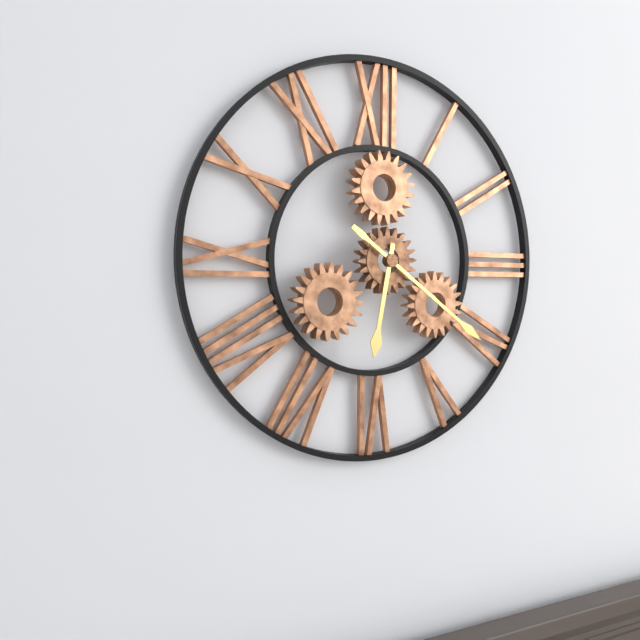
6:21
